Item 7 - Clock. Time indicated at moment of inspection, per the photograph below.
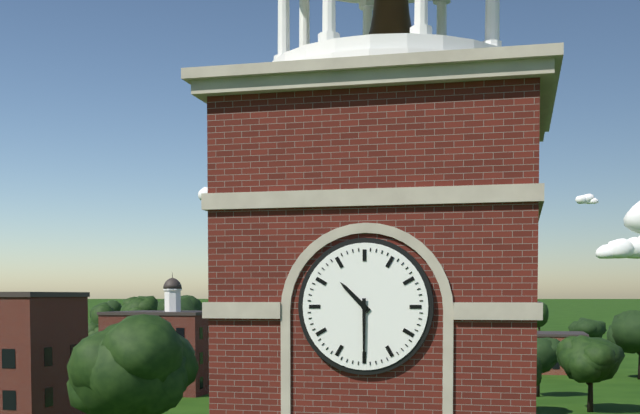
10:30
